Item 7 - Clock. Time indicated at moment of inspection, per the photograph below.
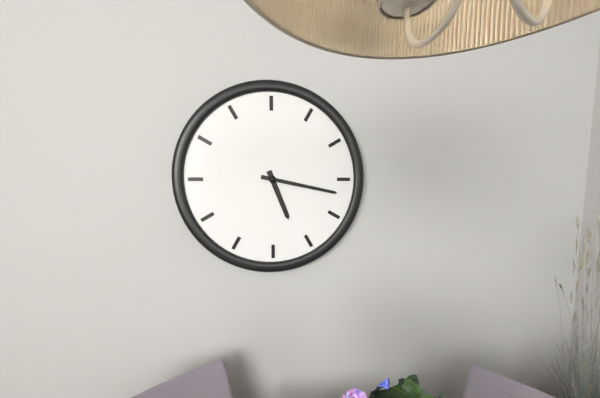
5:17
